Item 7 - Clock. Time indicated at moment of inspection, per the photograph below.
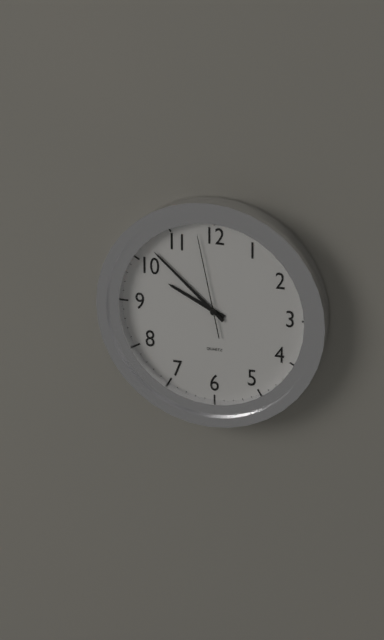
9:52:58
